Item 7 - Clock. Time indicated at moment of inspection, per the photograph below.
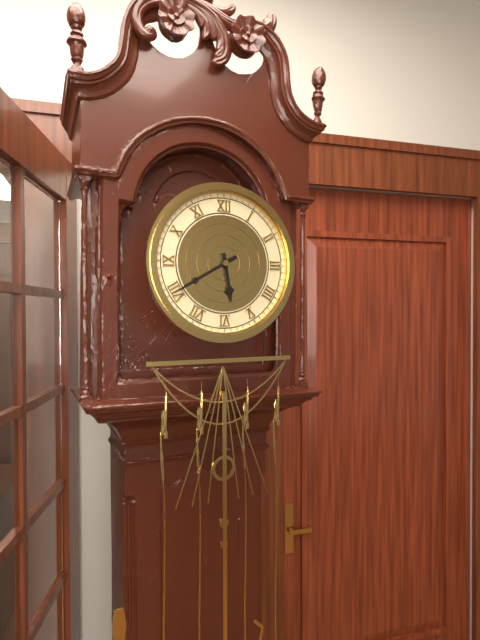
5:40
